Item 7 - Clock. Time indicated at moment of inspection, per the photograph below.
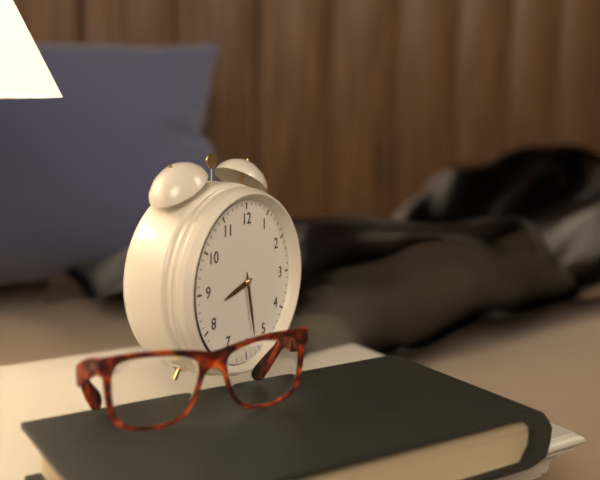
8:28
